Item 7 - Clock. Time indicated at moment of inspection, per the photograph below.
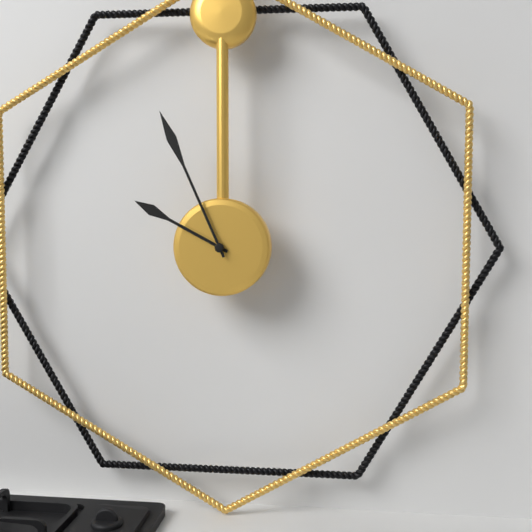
9:56
